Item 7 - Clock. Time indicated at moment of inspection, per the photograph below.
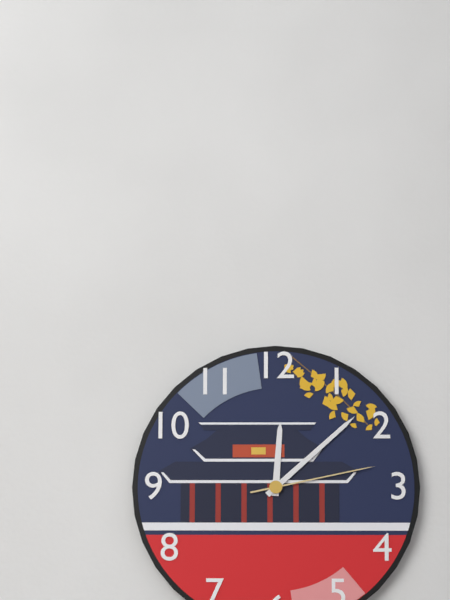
12:08:13
